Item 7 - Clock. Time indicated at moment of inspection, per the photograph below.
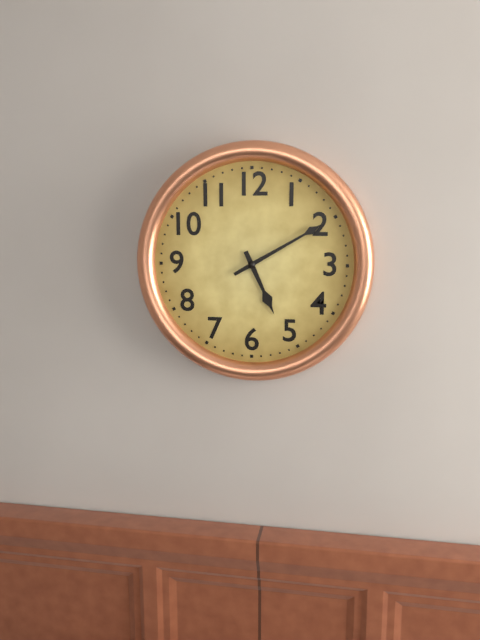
5:10
